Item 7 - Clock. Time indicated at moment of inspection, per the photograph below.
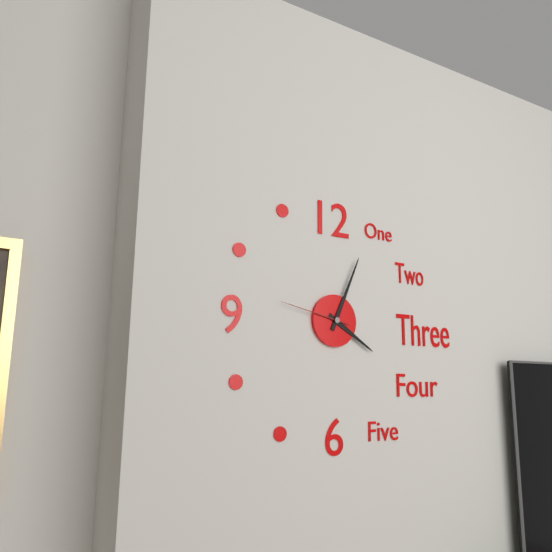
4:04:47
